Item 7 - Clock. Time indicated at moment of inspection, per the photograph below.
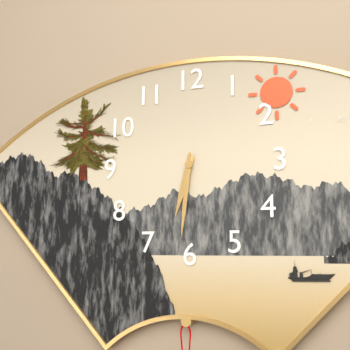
6:31
